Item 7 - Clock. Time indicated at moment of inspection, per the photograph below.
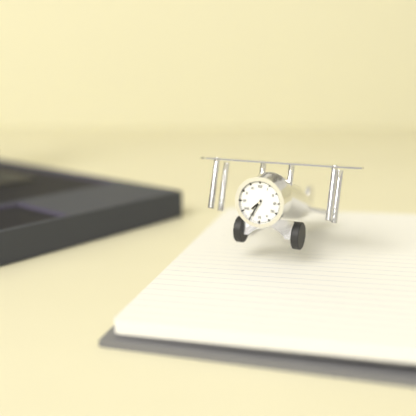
7:35
